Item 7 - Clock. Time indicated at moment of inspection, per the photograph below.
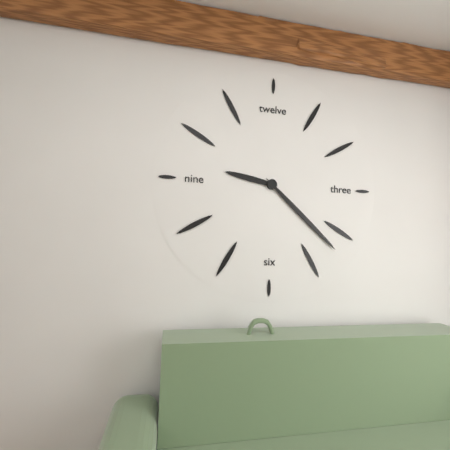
9:22
